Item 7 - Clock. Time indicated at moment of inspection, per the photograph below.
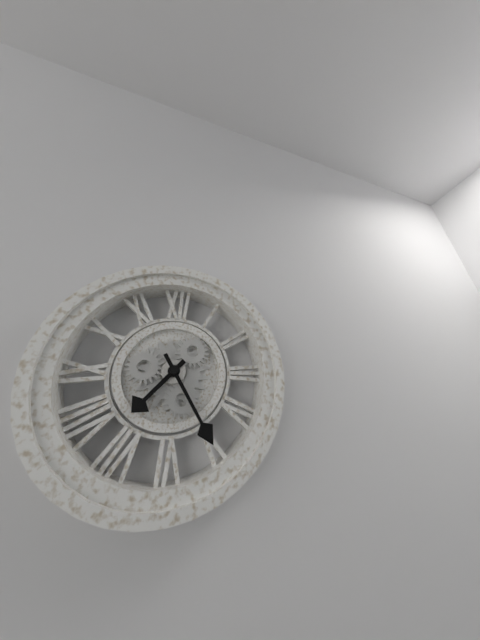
7:25
